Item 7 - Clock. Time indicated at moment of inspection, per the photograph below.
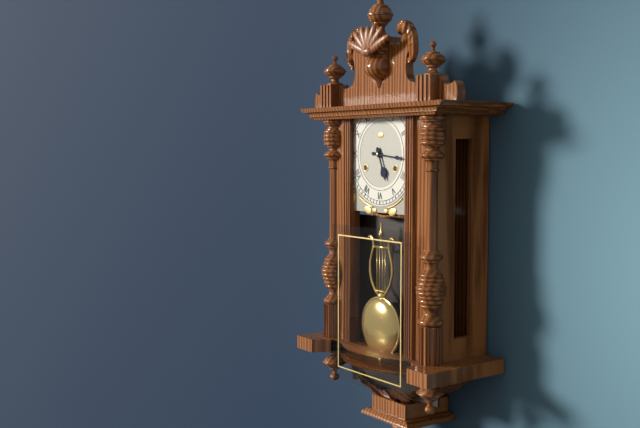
5:16
